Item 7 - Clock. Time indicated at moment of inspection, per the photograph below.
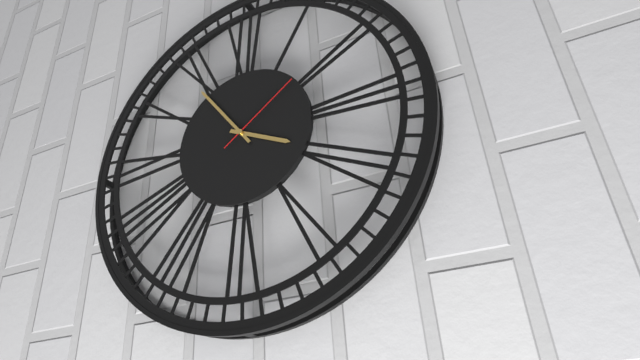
3:54:09
